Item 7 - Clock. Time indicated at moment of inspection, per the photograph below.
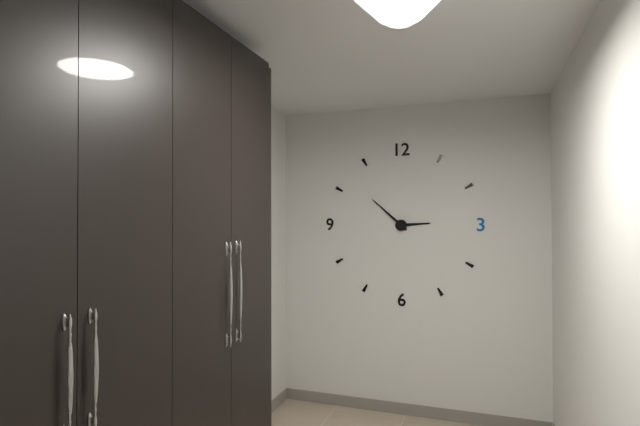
2:52
